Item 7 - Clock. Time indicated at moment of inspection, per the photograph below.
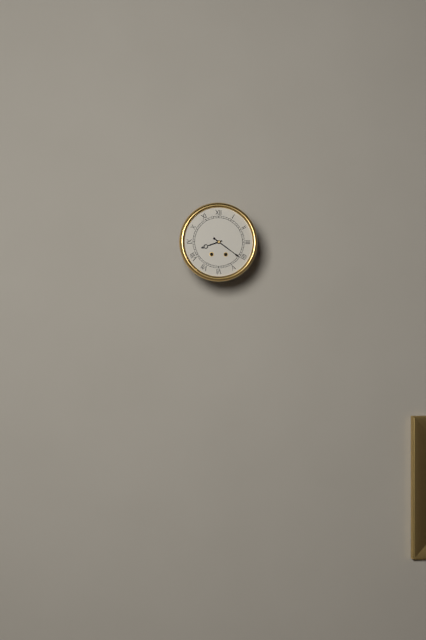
8:21
